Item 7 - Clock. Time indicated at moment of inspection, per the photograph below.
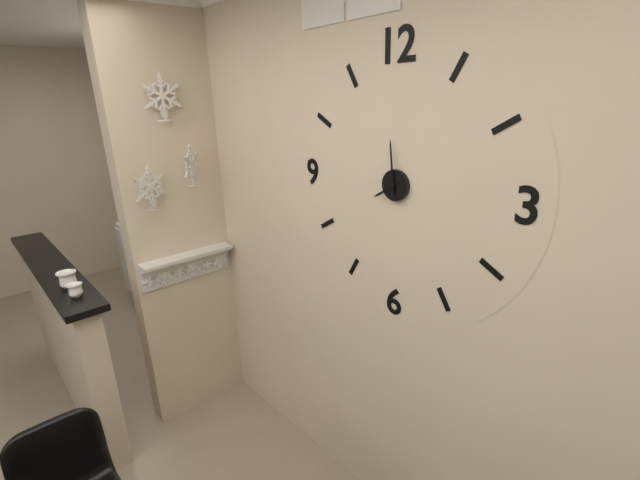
7:59
